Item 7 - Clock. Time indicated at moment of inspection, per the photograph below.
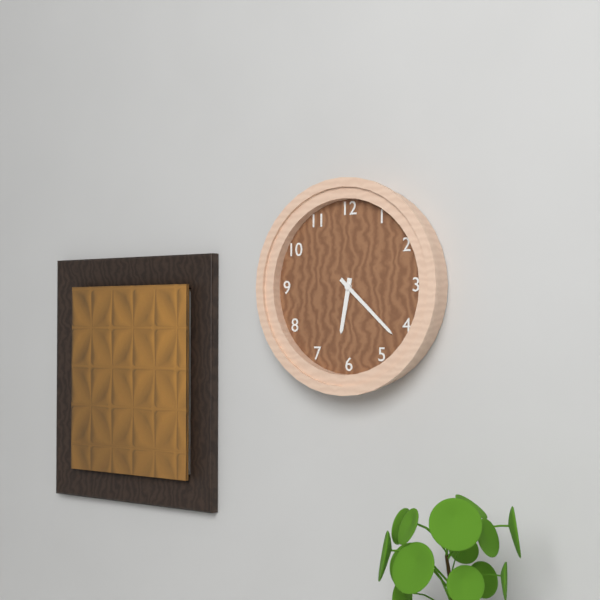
6:22
